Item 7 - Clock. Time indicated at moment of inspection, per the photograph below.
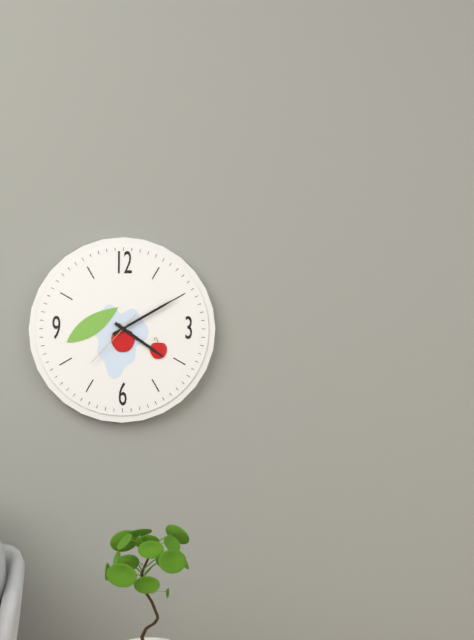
4:10:37
